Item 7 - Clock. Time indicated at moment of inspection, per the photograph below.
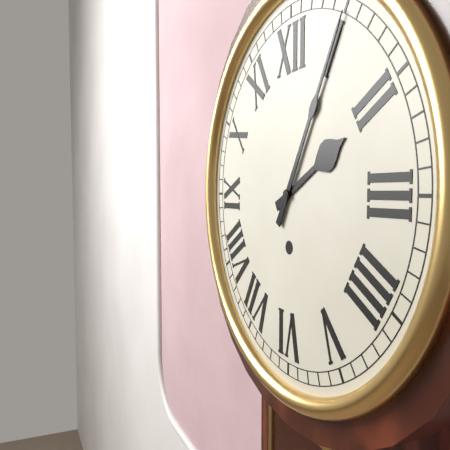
2:05
